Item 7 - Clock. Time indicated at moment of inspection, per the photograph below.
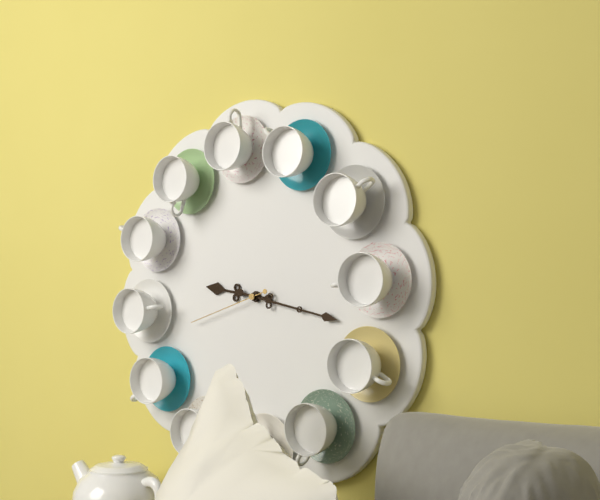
9:17:42
